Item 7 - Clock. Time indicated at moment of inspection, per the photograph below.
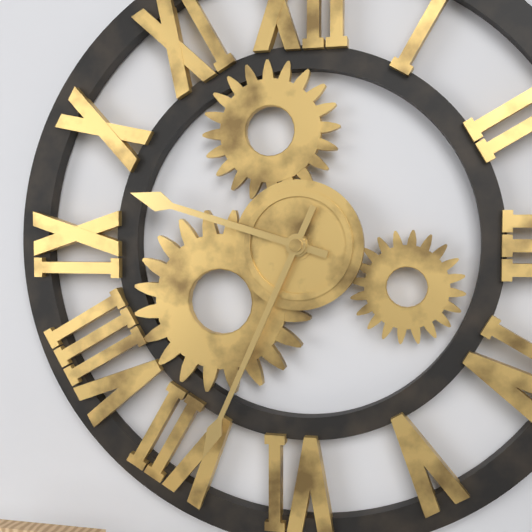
9:34
